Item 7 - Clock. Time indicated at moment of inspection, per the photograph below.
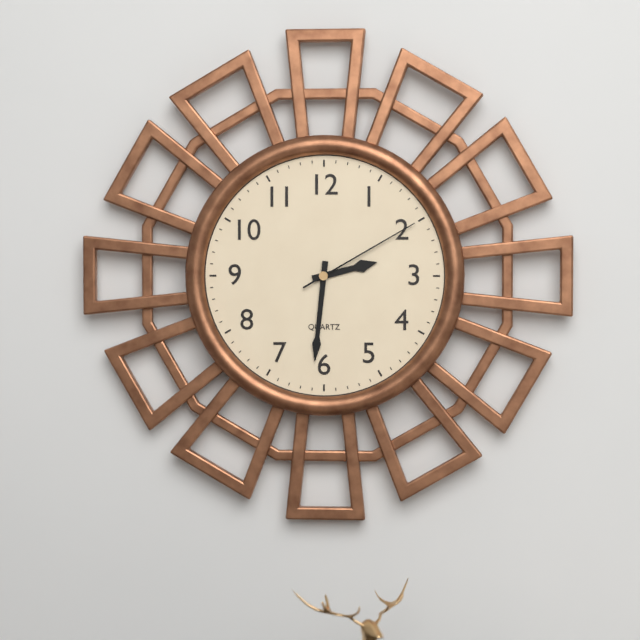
2:31:10
